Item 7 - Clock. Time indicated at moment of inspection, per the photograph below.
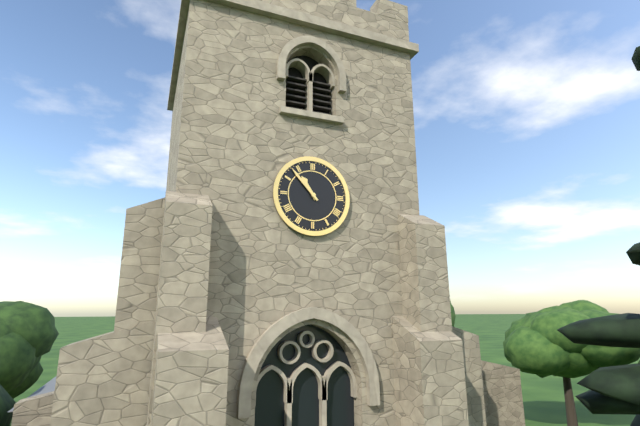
10:53
